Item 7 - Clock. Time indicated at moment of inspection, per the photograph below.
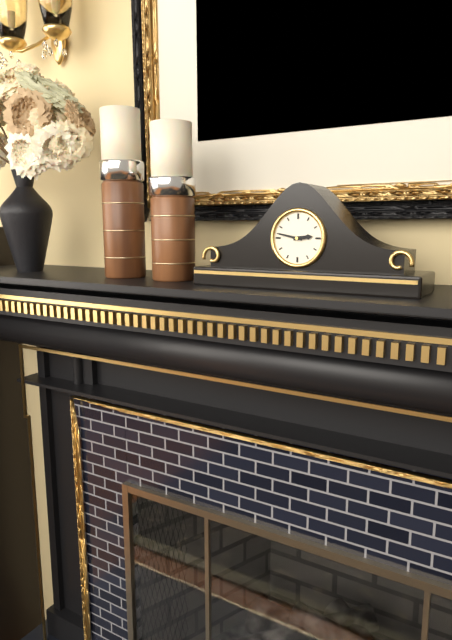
2:47
